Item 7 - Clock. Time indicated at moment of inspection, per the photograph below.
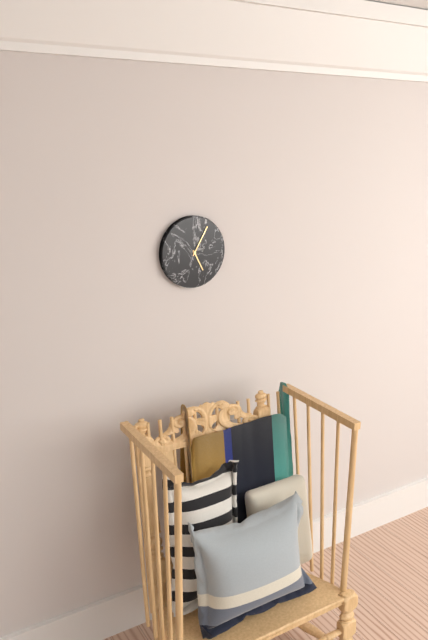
5:05
